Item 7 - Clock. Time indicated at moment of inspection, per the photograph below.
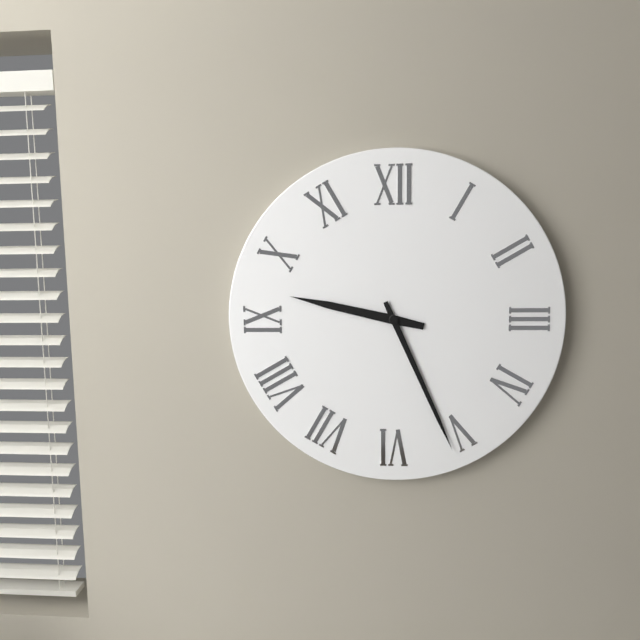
9:26
